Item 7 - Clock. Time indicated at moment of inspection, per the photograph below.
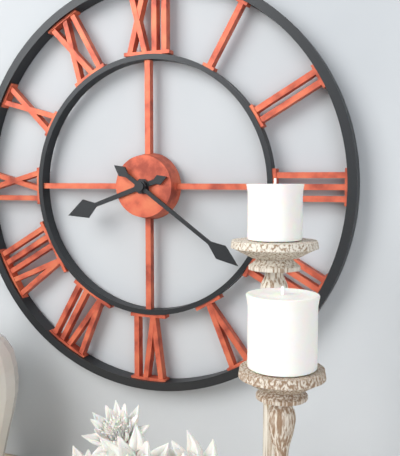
8:21
